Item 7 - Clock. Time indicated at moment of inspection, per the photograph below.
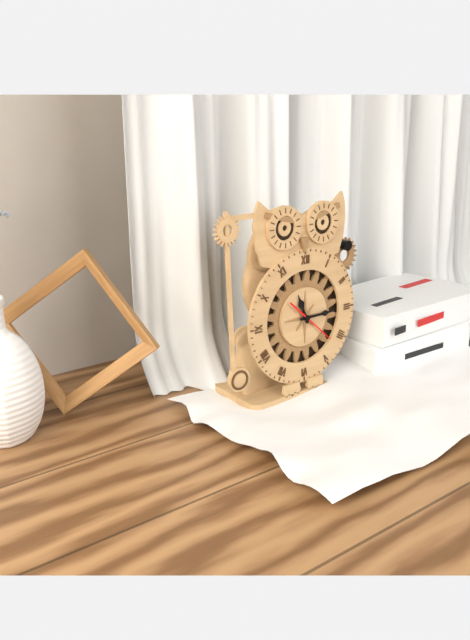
11:15:22
